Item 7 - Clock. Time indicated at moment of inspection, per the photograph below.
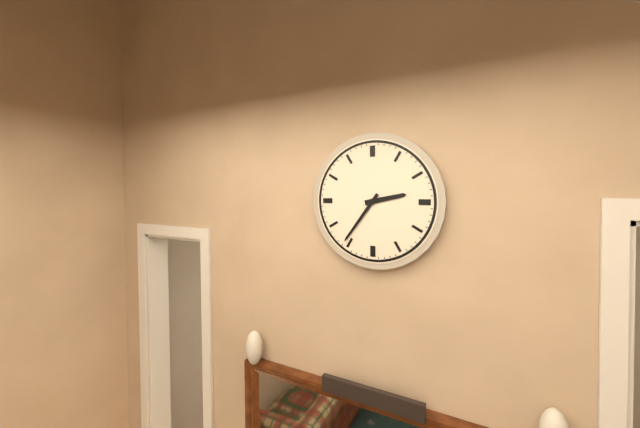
2:36
